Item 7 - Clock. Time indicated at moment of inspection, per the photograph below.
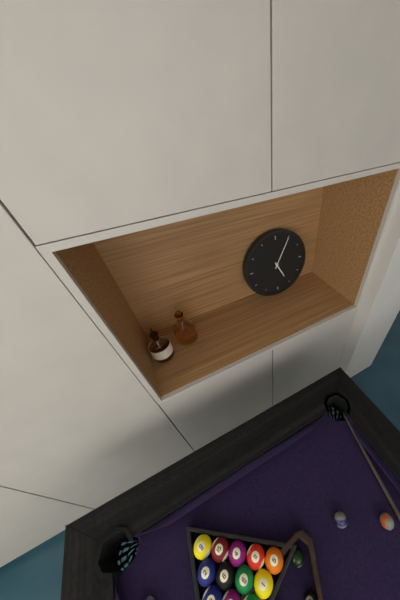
5:05
